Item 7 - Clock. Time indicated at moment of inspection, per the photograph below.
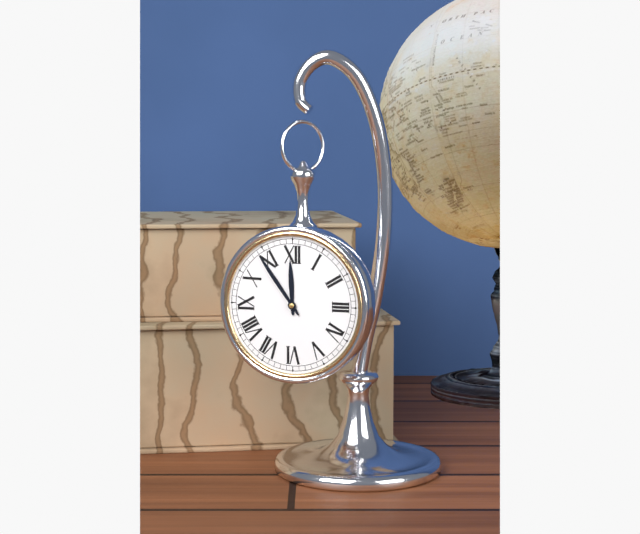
11:54
